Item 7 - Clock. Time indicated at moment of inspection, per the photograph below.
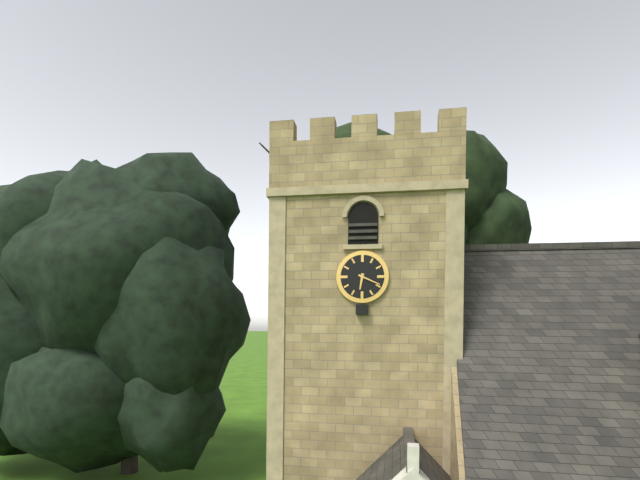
6:19
